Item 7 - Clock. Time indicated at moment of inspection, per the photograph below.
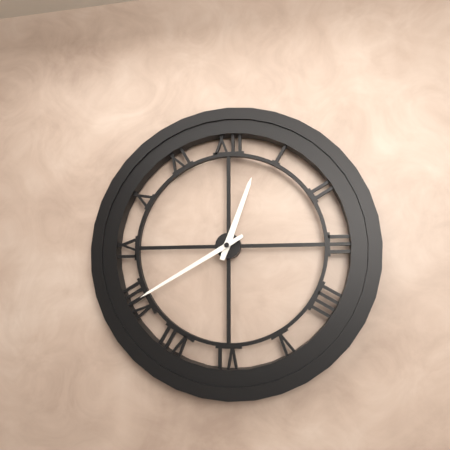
12:40
